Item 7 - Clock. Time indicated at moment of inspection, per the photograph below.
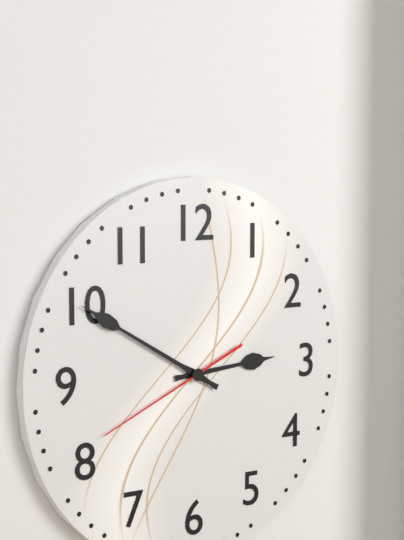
2:50:41
